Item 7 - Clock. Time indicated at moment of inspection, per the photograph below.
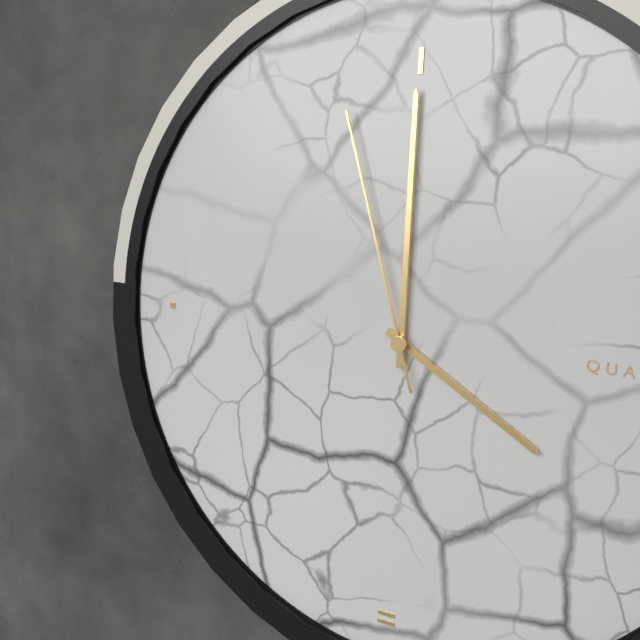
4:00:57
